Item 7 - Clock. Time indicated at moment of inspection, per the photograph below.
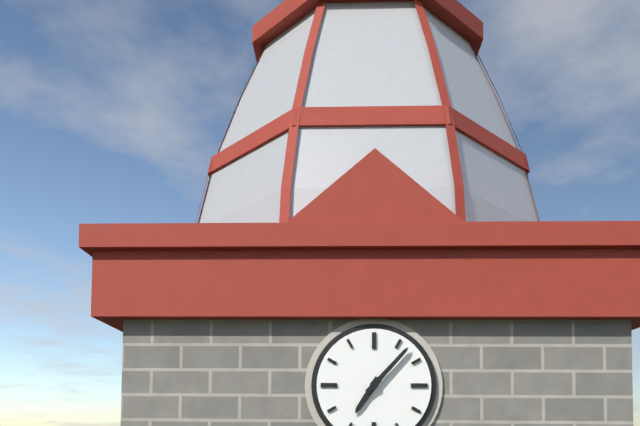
7:07
